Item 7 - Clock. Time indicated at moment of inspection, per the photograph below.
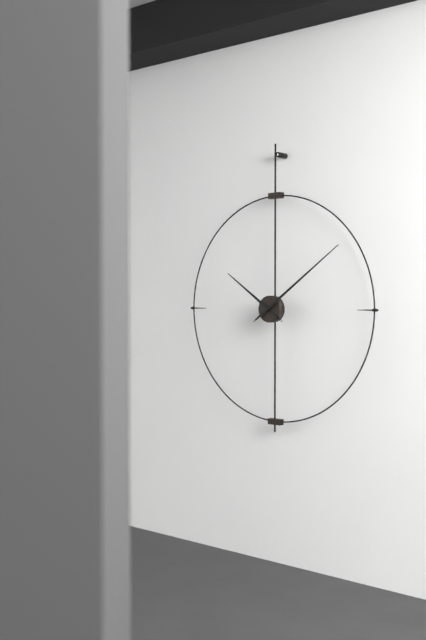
10:09
